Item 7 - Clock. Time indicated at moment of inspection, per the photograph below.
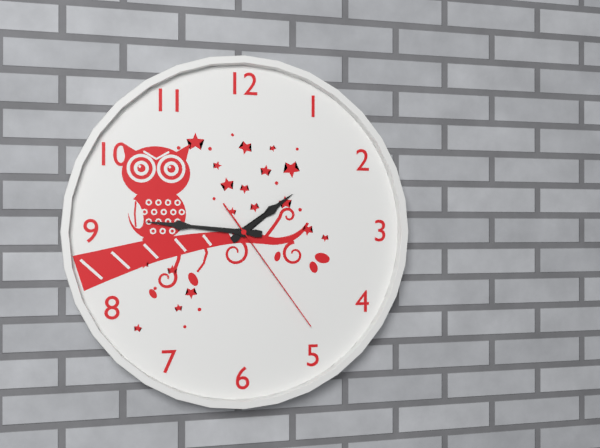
1:46:24
